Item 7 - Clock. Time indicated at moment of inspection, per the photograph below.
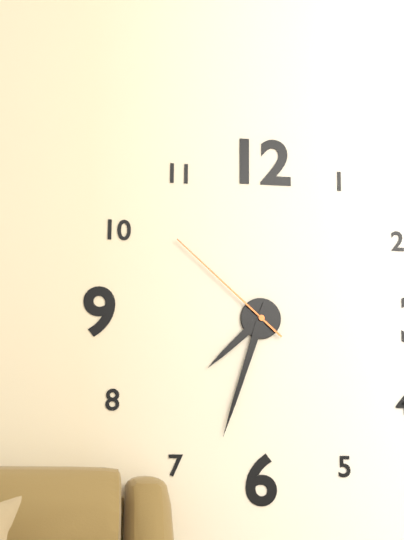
7:33:52
